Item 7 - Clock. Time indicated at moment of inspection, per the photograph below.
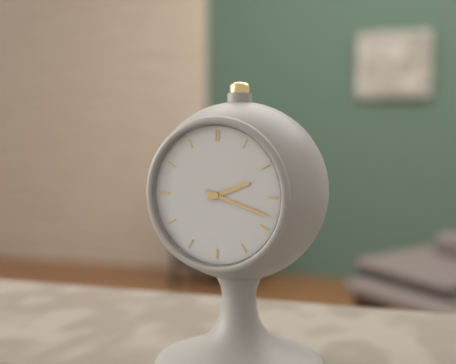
2:18
